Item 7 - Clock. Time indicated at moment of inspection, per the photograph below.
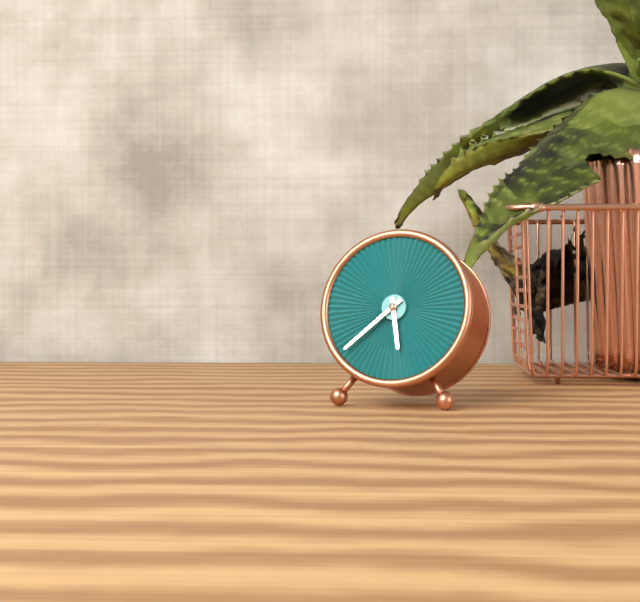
5:38
